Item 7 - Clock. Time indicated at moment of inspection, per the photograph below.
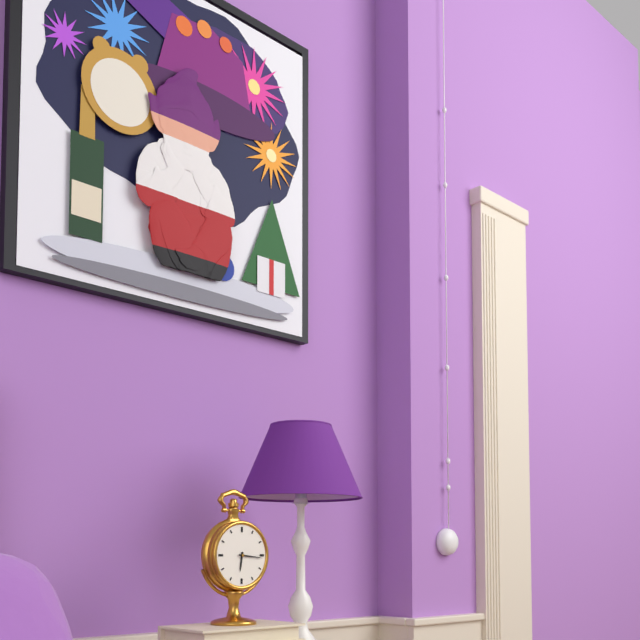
6:16
